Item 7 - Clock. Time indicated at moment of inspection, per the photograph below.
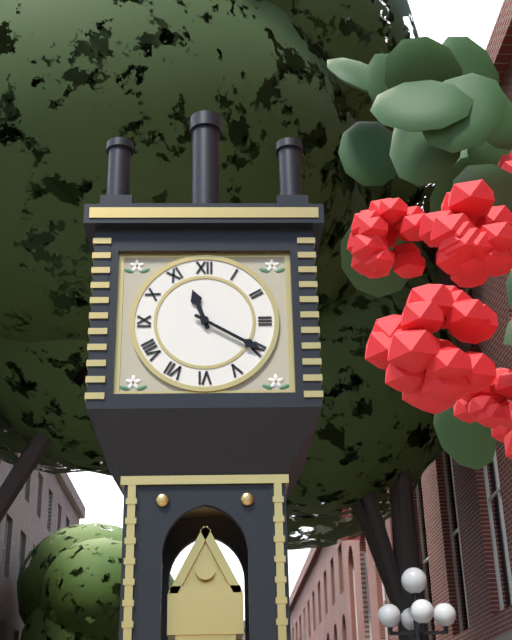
11:20
